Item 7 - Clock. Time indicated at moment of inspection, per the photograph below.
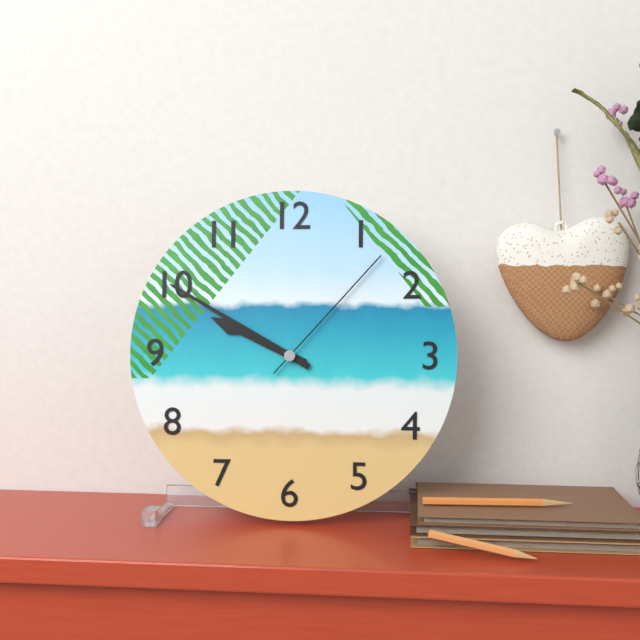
9:50:07
